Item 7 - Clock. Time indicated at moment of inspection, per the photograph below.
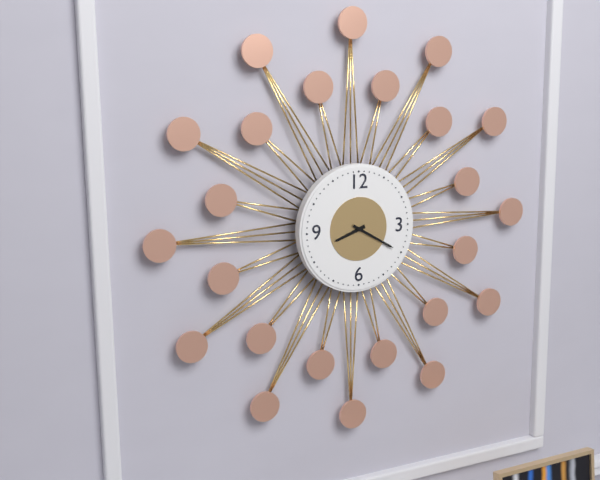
8:20
